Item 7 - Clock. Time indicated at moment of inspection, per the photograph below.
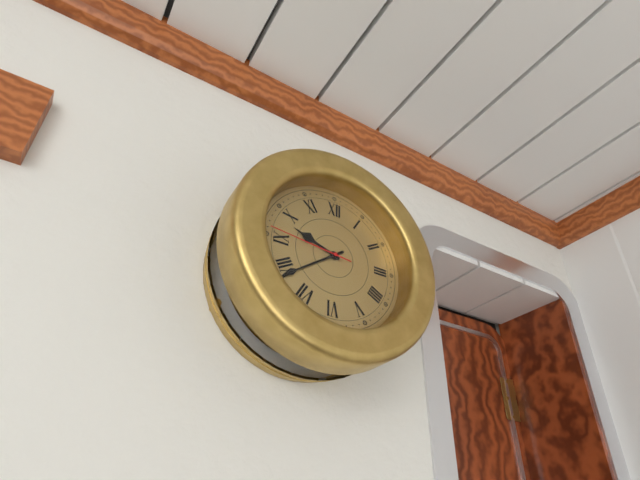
9:39:46
